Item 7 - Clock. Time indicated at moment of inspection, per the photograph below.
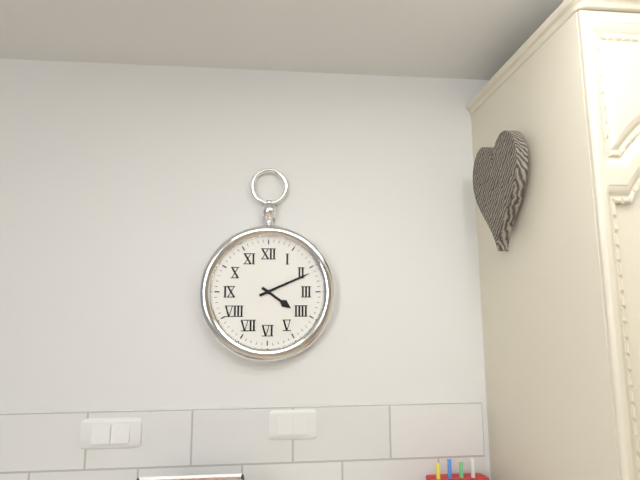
4:11
